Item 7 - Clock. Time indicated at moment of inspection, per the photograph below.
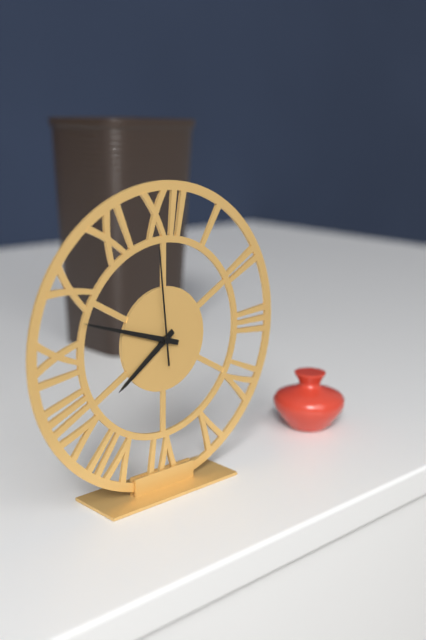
7:48:59
